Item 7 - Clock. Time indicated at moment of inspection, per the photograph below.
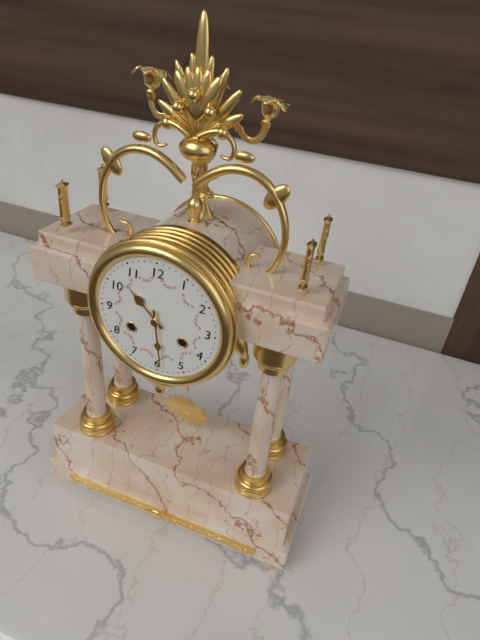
10:29
